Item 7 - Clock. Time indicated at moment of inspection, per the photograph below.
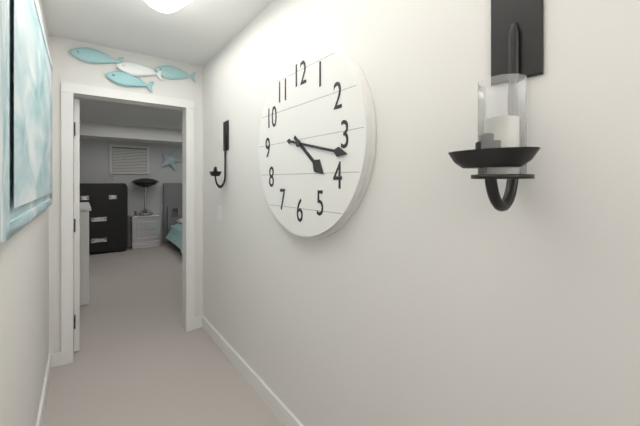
4:17
